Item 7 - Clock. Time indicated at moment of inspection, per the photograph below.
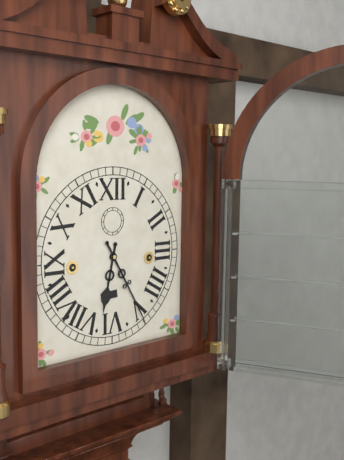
6:25
